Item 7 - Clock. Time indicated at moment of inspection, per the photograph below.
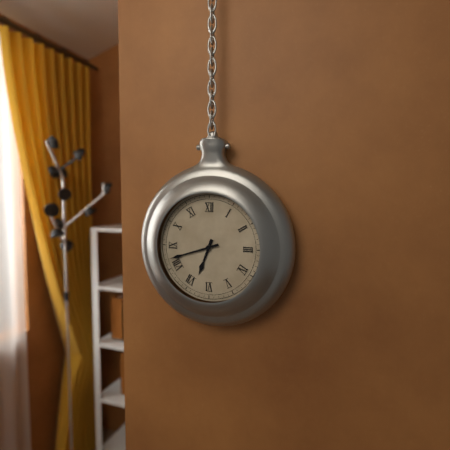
6:42
